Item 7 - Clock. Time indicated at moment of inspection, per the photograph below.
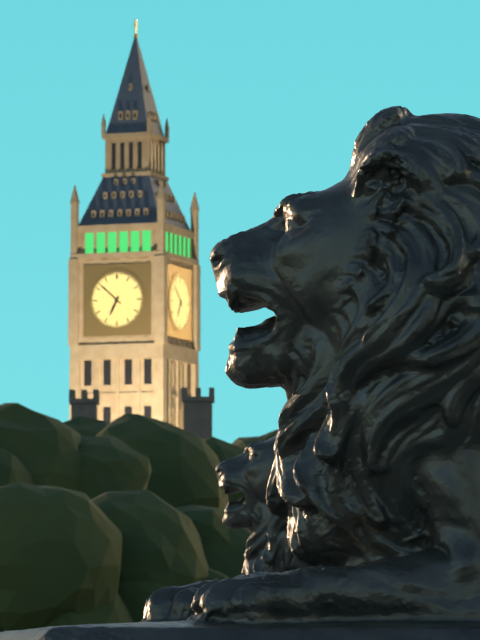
6:52
